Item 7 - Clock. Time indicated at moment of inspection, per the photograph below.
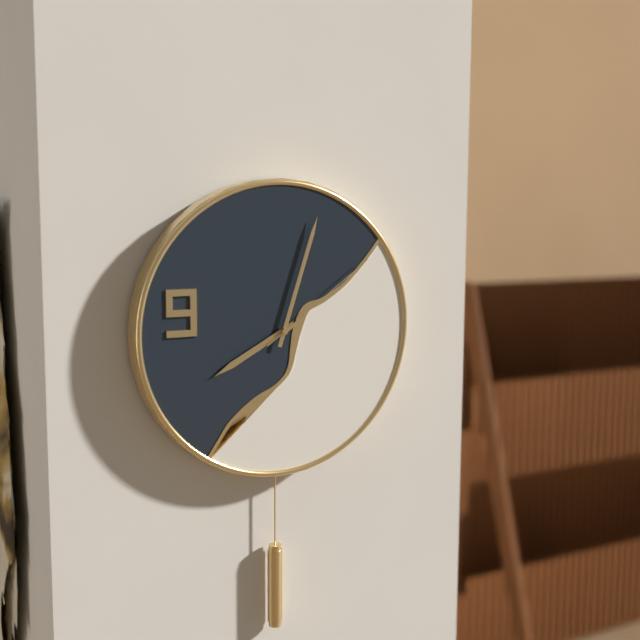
8:03:09
